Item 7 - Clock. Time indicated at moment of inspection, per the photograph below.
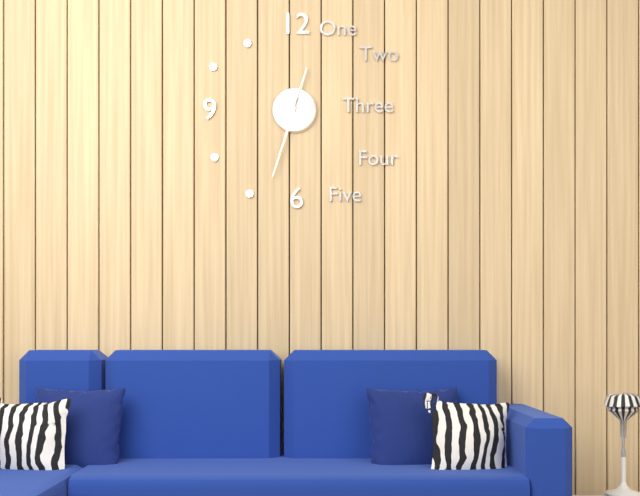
12:33
